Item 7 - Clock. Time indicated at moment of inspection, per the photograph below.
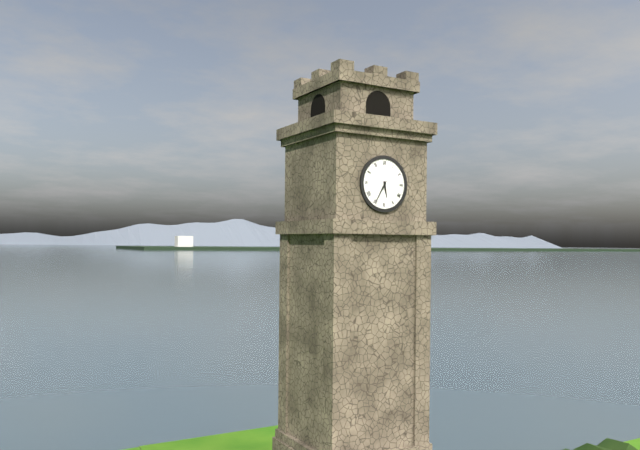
5:35
